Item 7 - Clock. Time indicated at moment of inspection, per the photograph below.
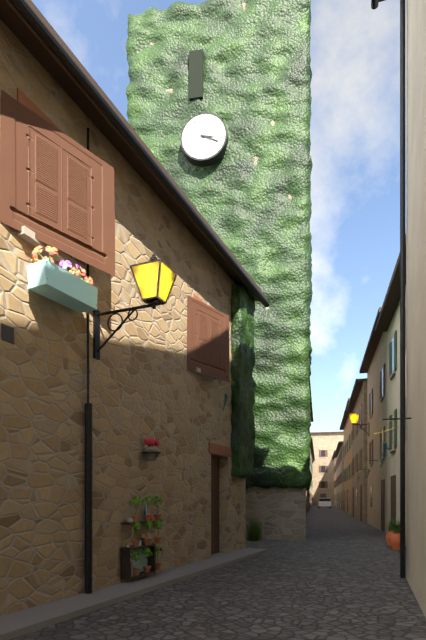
3:19
